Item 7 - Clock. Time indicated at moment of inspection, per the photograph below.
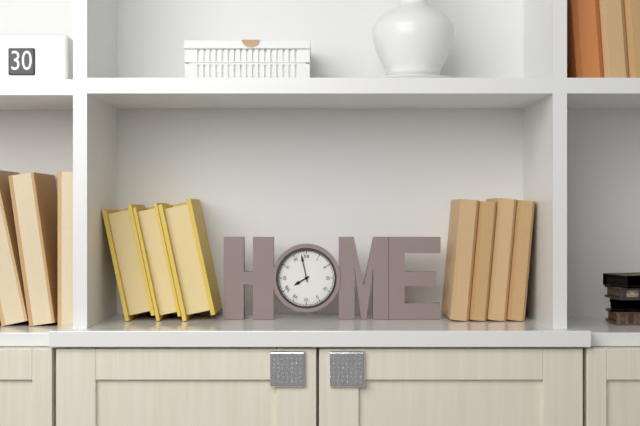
7:58
